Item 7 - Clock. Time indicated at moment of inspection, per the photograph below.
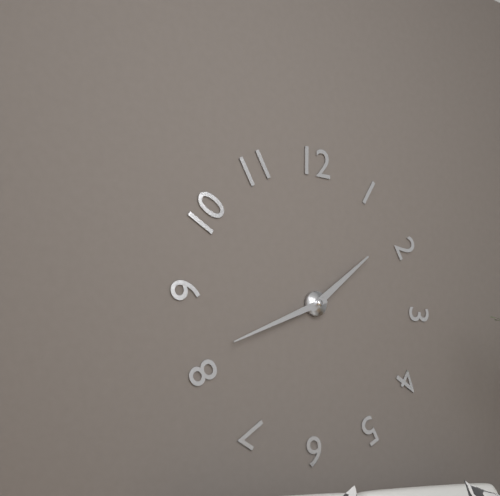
1:41
